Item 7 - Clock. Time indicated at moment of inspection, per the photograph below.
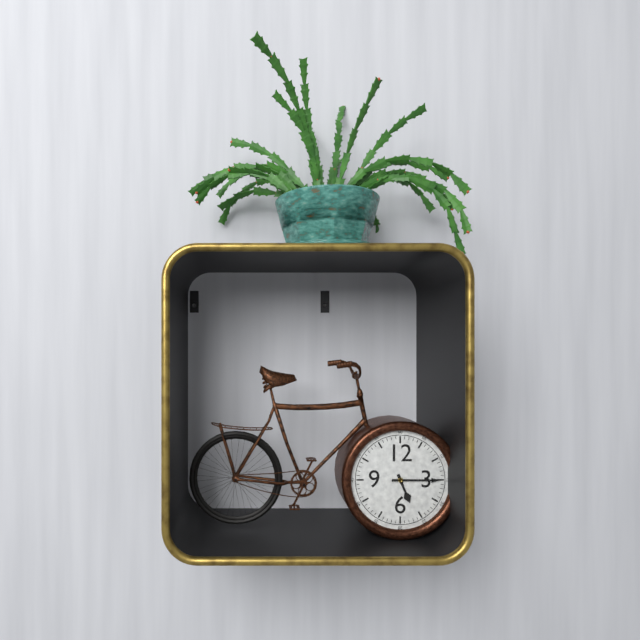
5:15
